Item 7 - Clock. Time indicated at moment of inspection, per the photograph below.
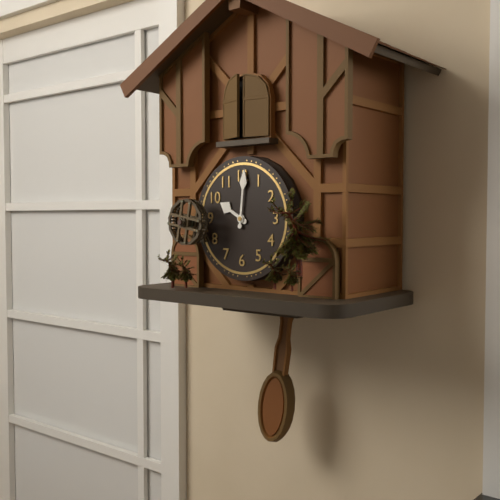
10:01
